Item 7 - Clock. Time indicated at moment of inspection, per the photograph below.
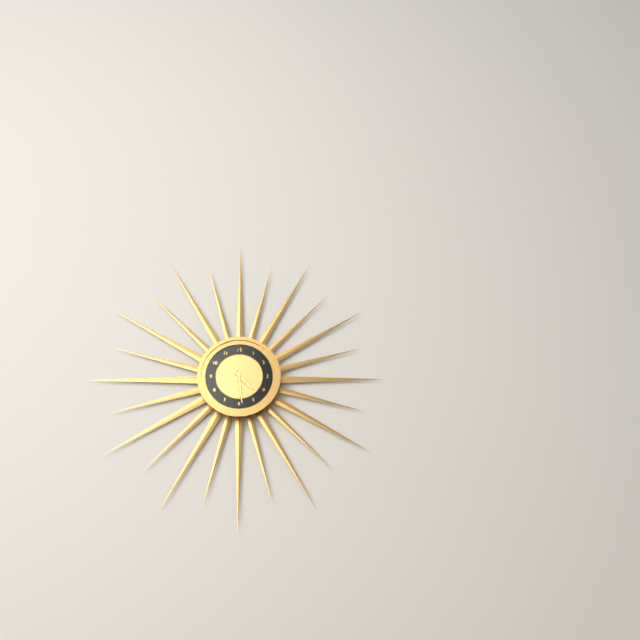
4:29
